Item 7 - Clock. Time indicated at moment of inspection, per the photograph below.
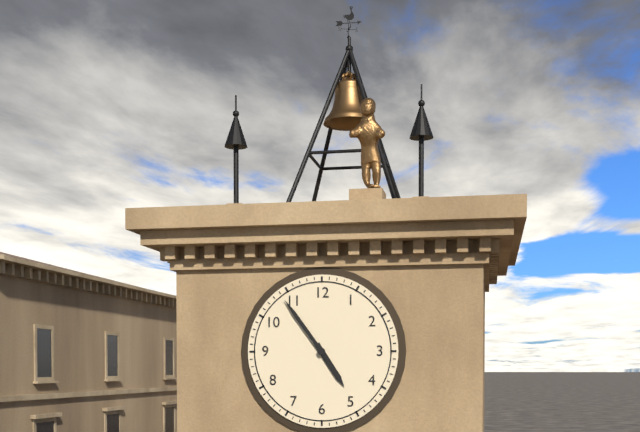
4:54
